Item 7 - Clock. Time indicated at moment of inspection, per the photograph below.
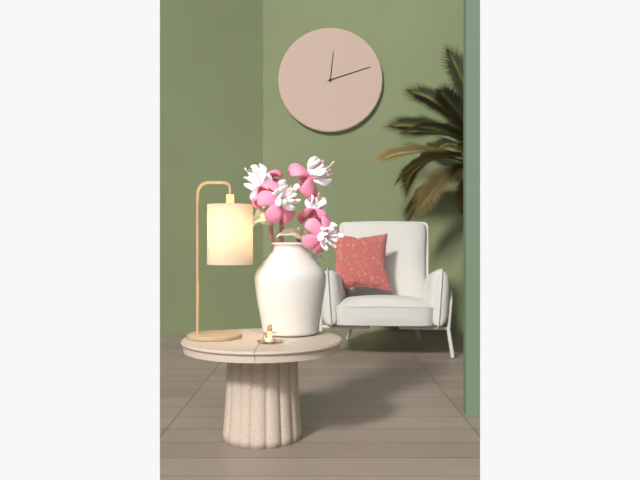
12:12
